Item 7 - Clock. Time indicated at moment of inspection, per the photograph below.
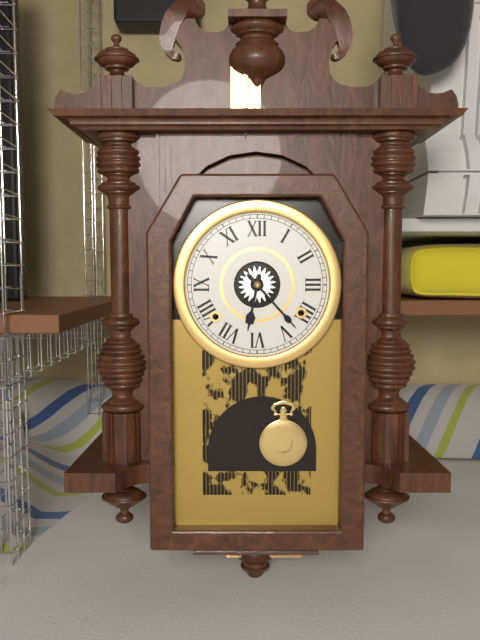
6:23
